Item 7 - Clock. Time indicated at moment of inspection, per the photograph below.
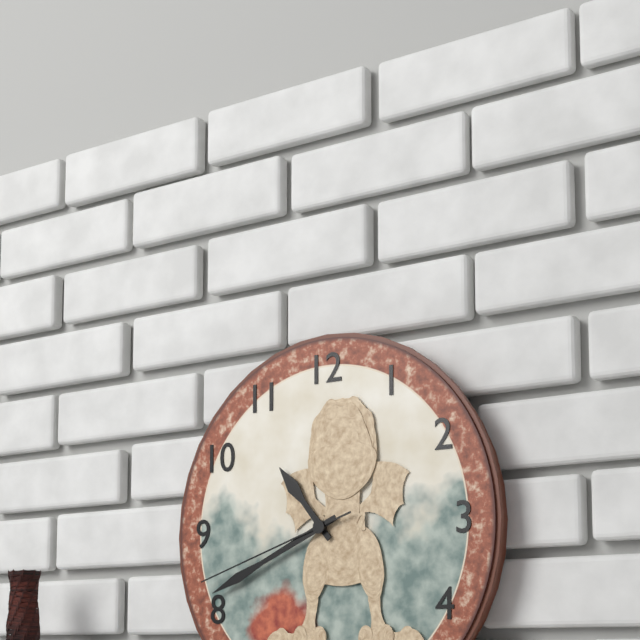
10:41:42
